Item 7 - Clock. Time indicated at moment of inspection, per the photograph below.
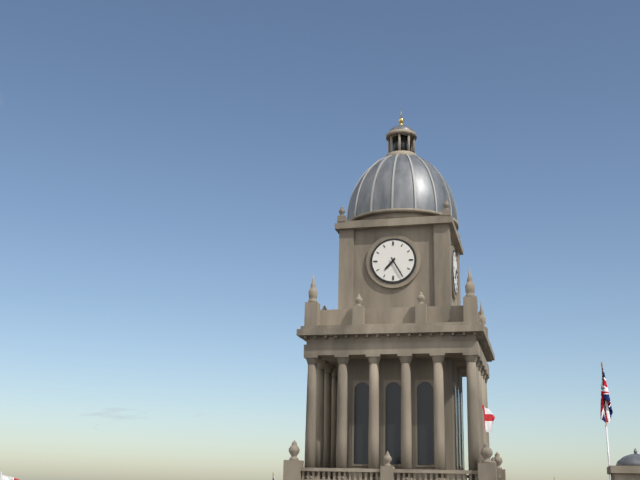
7:25
